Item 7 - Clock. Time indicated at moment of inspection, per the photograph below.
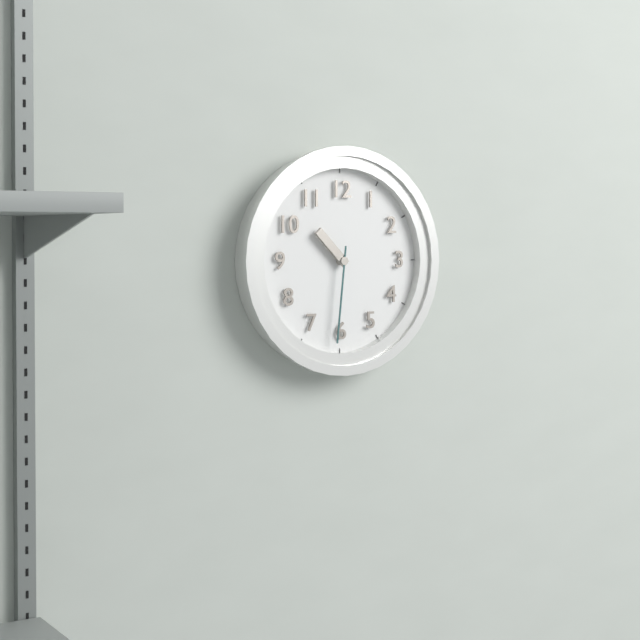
10:31
